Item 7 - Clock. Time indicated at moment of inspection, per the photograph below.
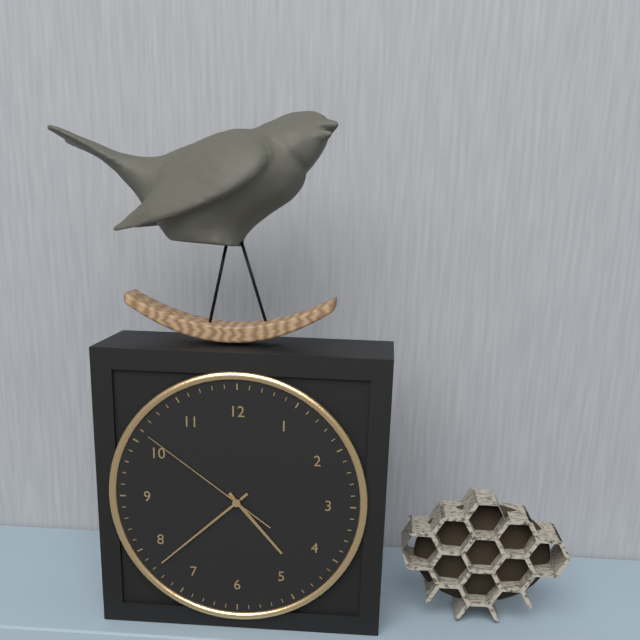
4:38:51
